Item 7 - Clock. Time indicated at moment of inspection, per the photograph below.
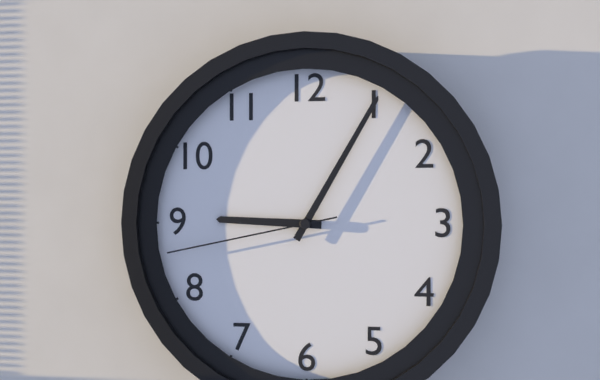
9:05:43
